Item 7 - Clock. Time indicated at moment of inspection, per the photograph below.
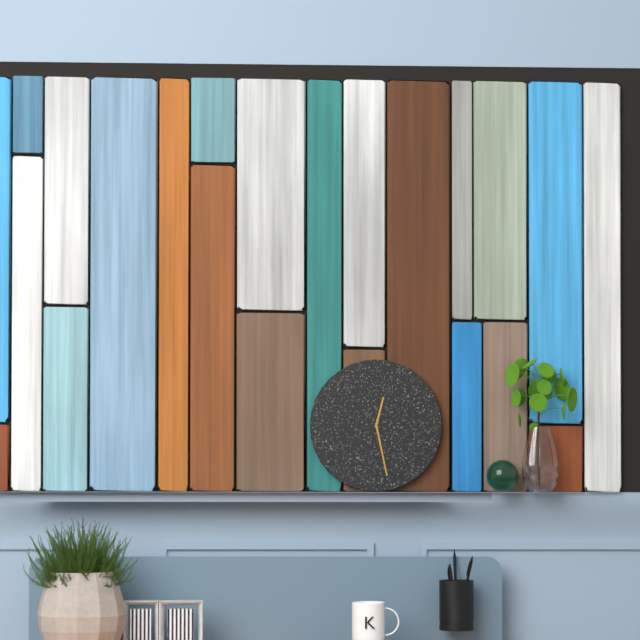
12:28
